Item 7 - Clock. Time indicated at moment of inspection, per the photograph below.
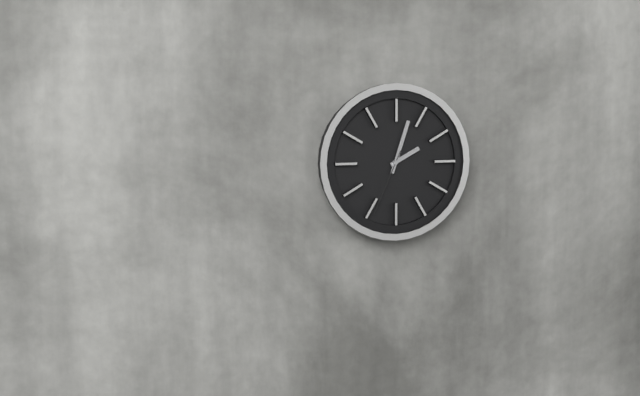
2:03:34
